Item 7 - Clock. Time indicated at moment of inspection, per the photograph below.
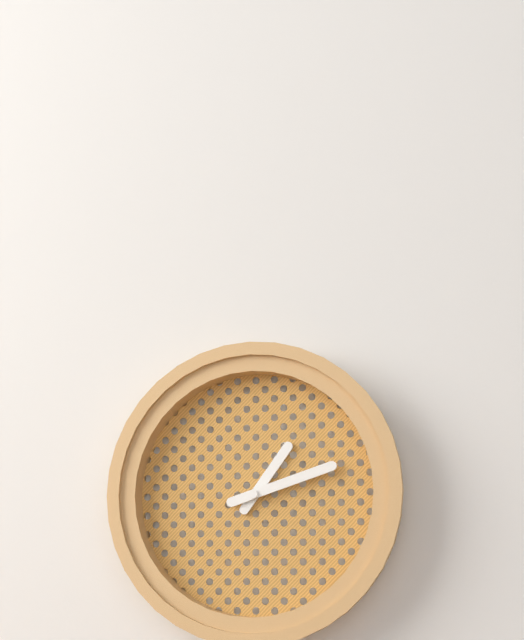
1:12
